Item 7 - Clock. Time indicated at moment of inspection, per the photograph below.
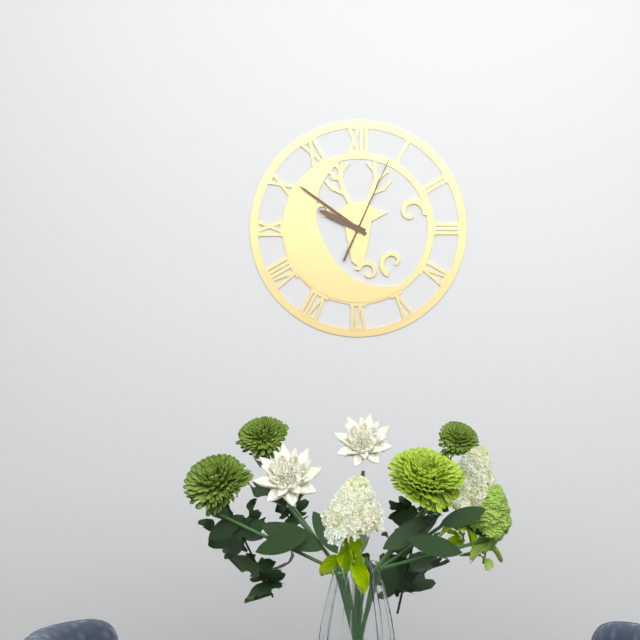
9:51:04
